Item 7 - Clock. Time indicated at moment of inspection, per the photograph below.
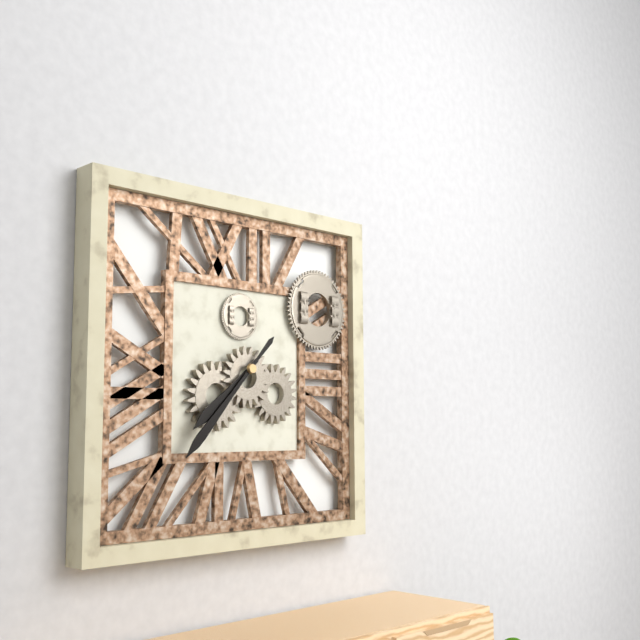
7:37
